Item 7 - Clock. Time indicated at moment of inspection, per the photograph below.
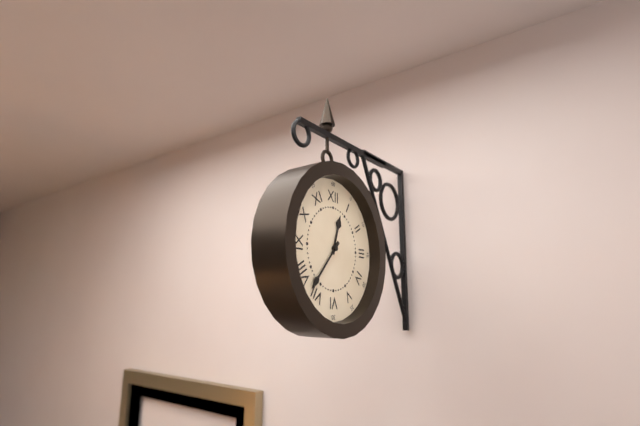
12:37
